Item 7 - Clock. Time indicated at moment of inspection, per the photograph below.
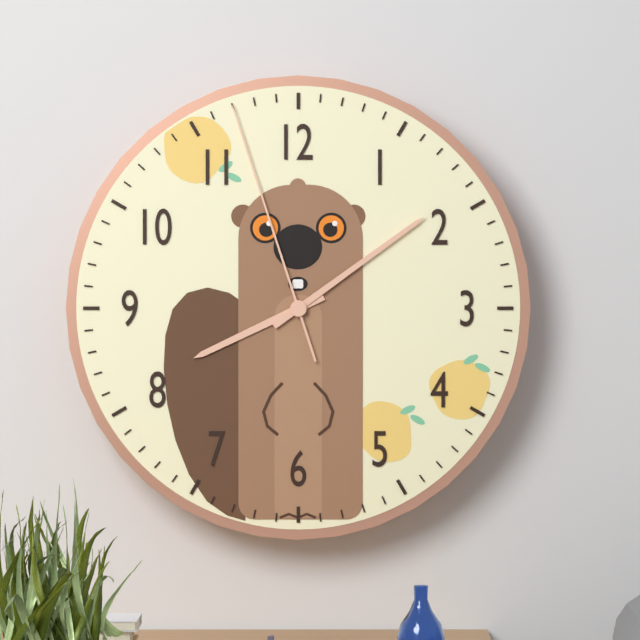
8:09:57
